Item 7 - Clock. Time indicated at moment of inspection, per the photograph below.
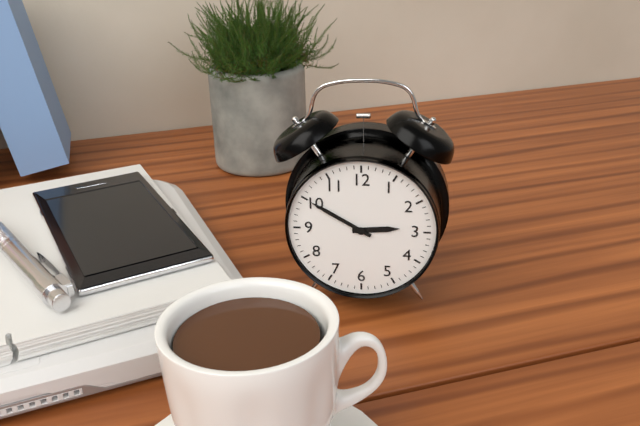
2:50
